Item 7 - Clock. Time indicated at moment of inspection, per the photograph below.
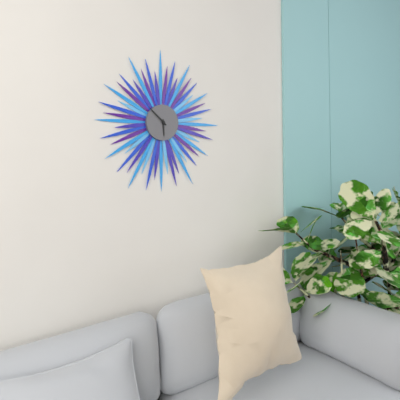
5:52
